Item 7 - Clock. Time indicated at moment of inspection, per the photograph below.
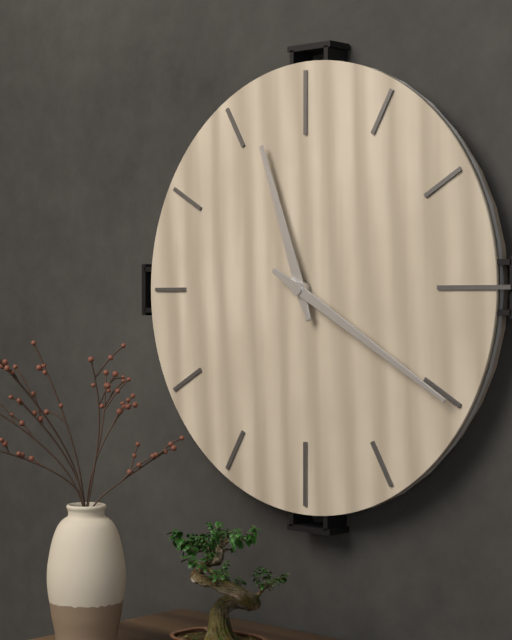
11:20
